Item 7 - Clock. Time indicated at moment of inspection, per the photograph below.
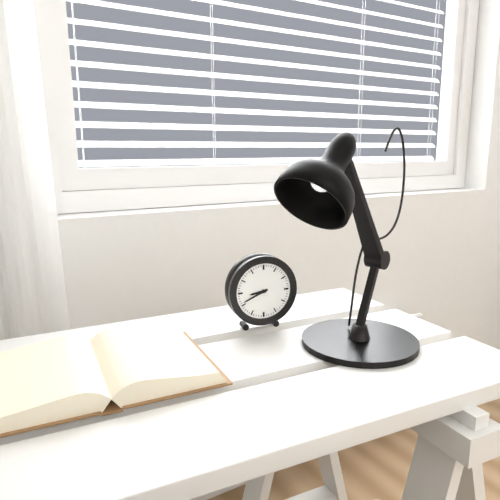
8:41
